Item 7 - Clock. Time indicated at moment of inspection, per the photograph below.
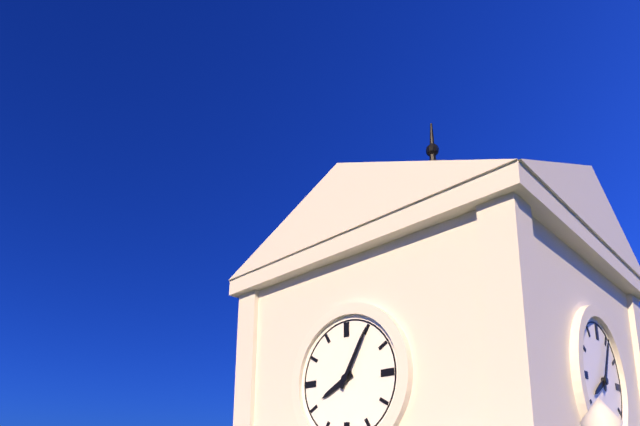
8:05
